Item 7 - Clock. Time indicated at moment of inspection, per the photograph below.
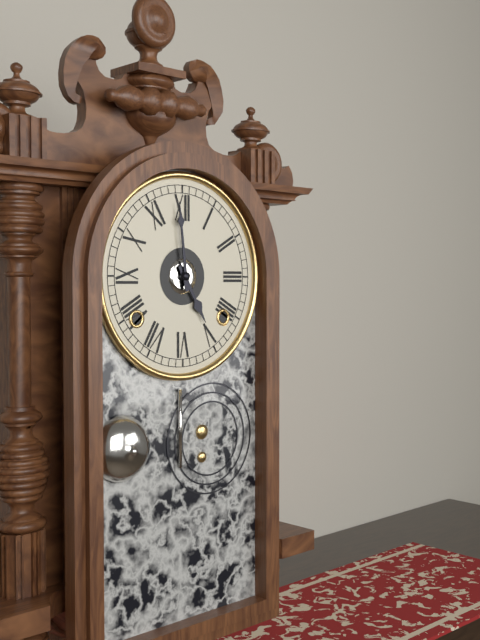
4:59
